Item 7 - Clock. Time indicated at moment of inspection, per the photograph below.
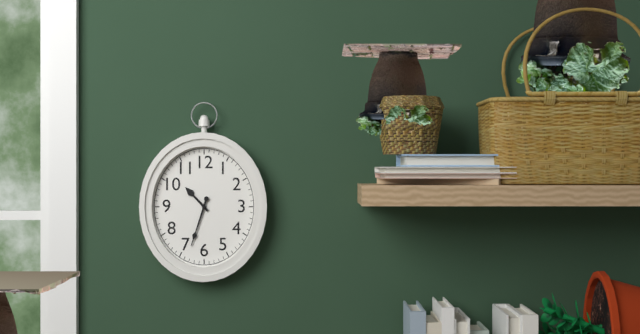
10:33
